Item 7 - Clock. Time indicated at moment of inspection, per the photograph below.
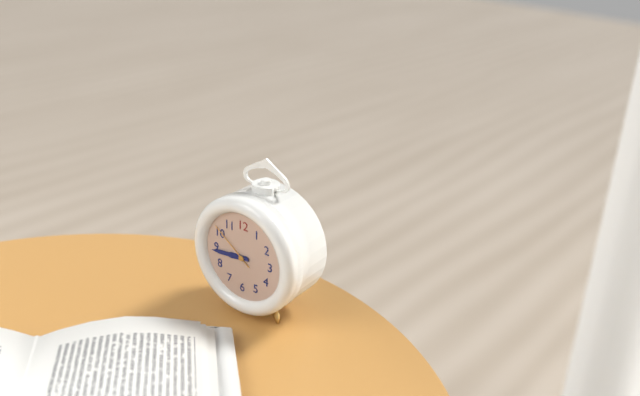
8:44:51
